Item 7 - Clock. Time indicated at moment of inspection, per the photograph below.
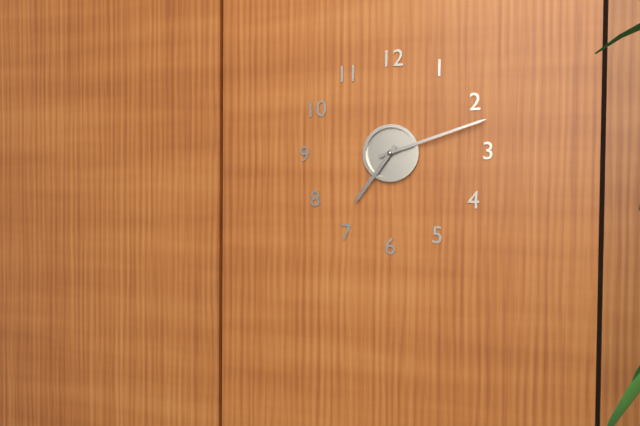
7:12
